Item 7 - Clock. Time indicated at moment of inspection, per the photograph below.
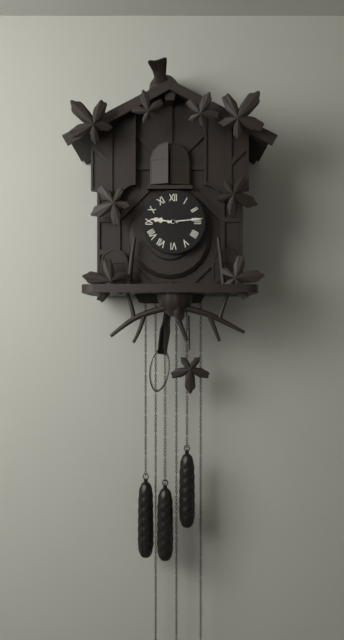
9:14
